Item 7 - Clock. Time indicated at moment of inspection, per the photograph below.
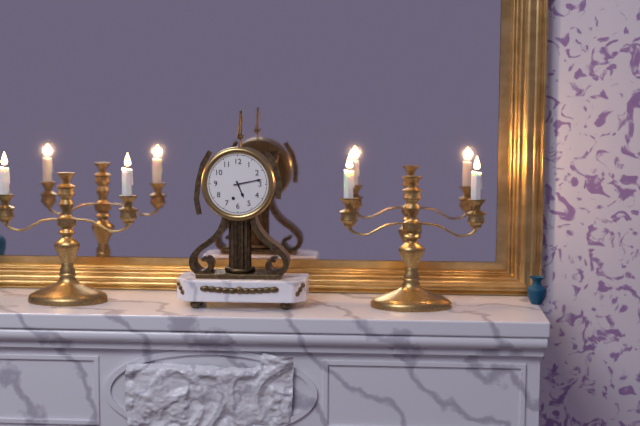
5:13
